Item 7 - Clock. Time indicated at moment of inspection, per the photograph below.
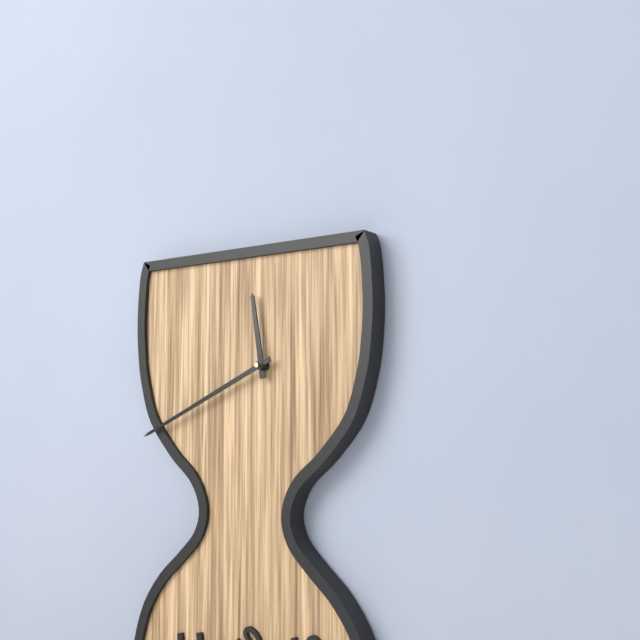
11:41
